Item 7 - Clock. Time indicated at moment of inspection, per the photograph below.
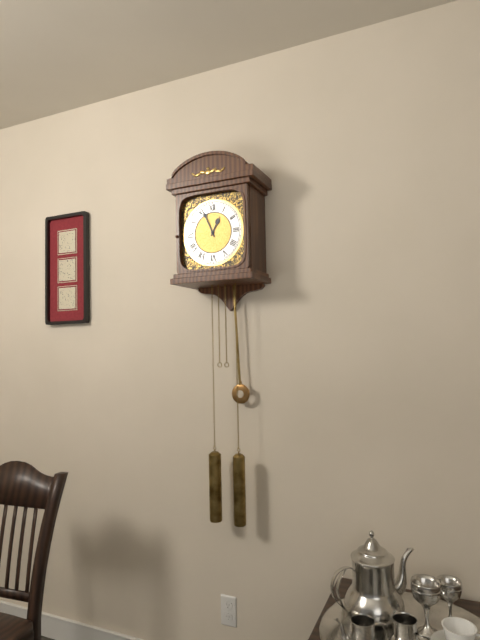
12:56
